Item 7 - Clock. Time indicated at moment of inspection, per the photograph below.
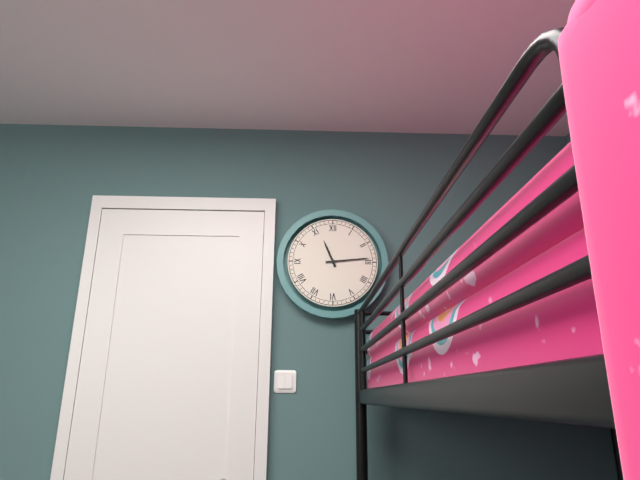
11:14
